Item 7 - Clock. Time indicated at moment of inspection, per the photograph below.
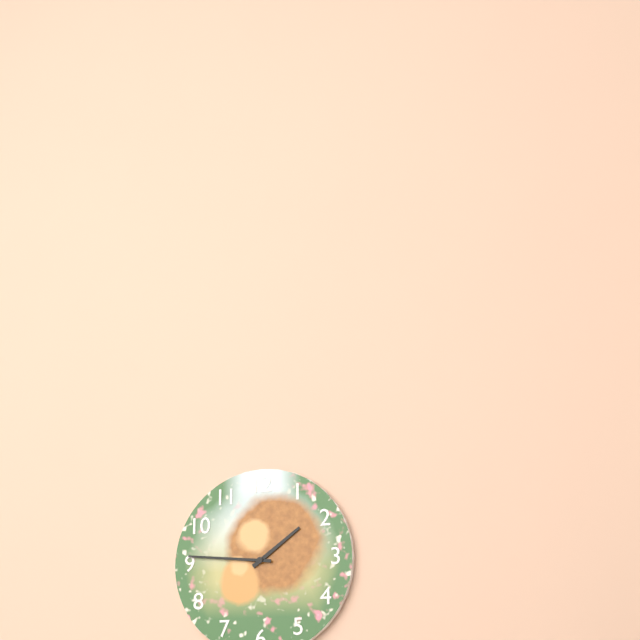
1:46
